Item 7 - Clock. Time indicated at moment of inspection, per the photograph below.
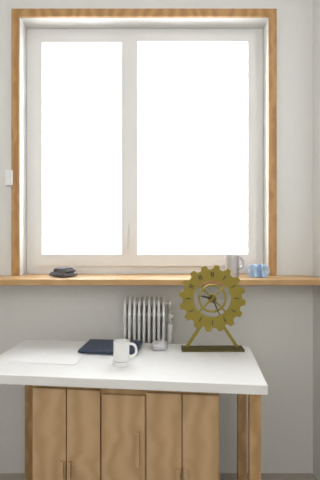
9:26
